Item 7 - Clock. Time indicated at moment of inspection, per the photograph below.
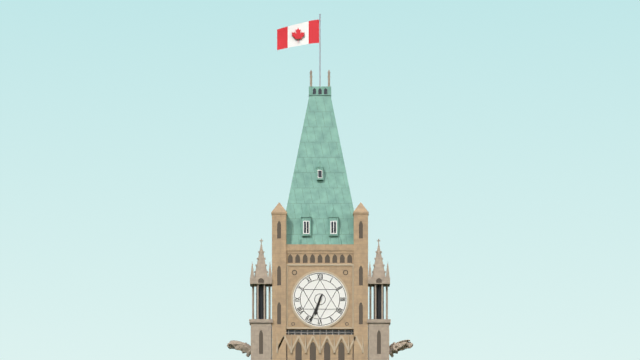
6:34
